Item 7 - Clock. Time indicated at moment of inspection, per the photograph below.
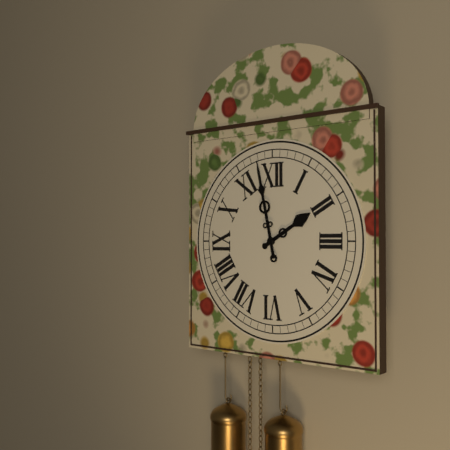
1:58
